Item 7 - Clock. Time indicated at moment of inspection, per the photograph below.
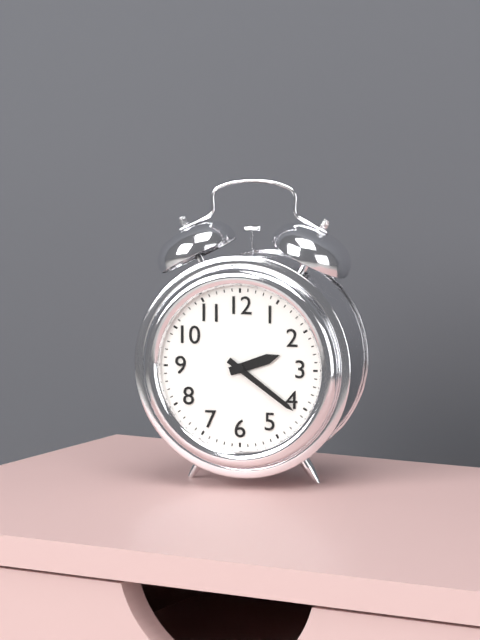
2:21
